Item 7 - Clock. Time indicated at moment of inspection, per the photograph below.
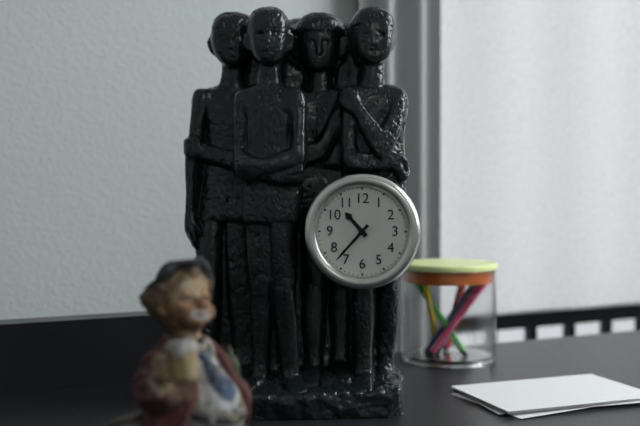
10:37
